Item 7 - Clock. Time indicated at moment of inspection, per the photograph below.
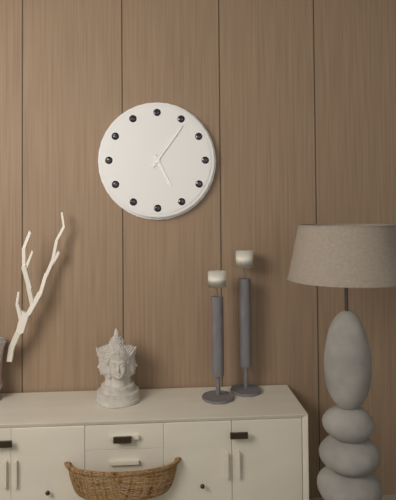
5:06
